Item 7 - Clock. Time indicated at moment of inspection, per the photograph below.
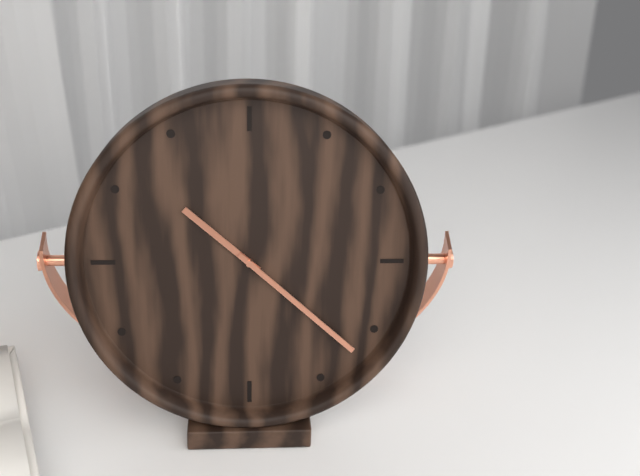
10:22
